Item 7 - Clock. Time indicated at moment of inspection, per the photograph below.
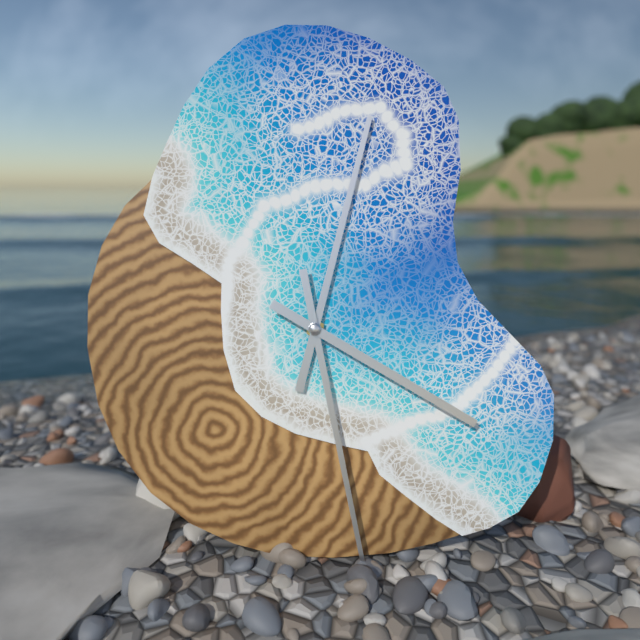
12:28:20
